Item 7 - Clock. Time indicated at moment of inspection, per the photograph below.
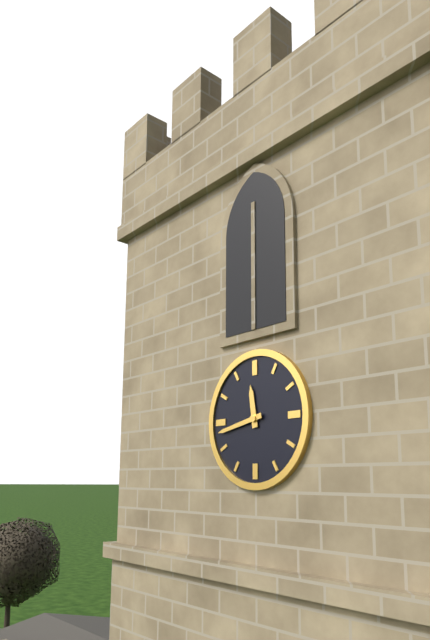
11:43
